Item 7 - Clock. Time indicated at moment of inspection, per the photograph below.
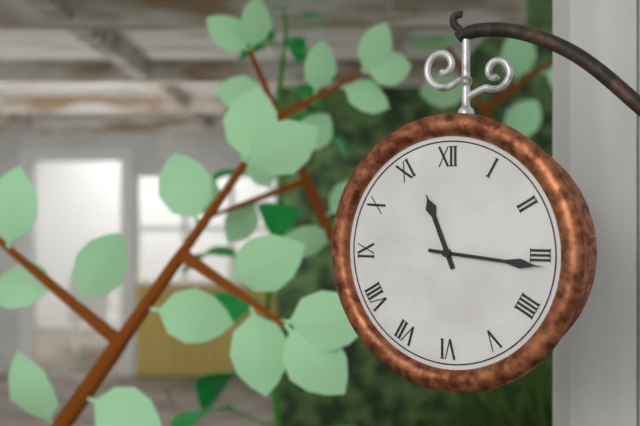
11:16
